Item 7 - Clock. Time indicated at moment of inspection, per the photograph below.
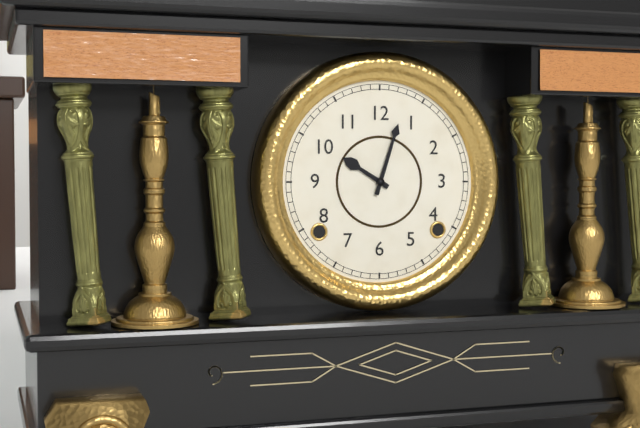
10:03
